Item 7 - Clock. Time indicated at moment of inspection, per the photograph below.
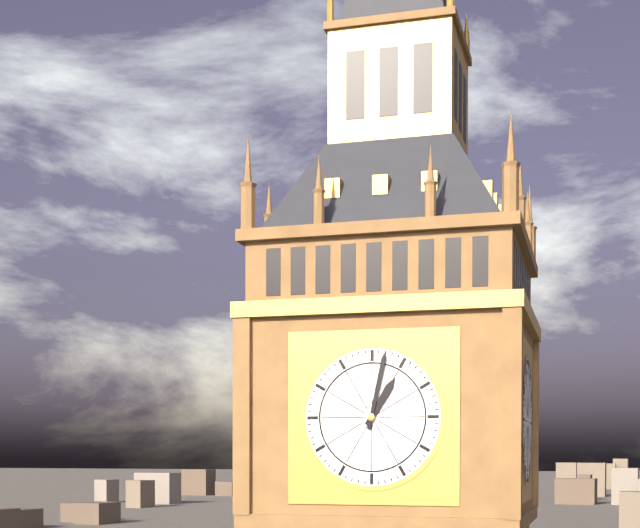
1:02
